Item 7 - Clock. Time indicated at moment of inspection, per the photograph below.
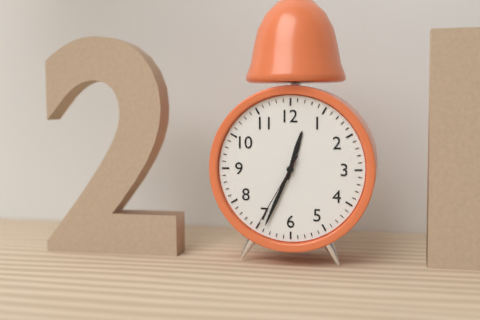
12:34:35
